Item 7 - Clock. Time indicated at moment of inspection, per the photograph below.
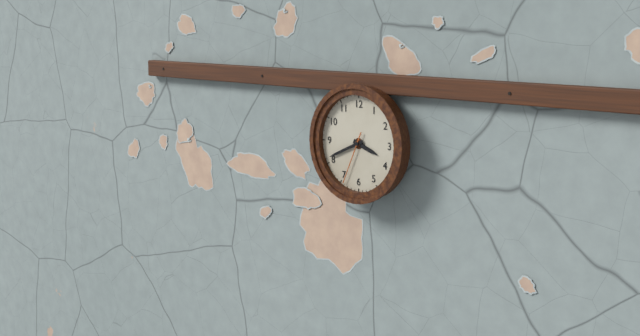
3:41:34
